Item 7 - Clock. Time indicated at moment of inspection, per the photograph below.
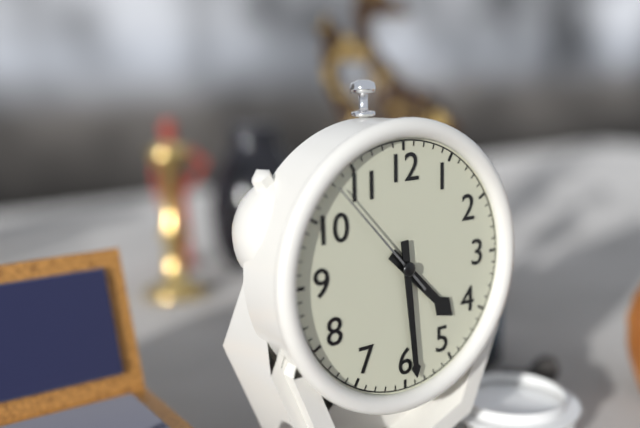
4:29:53
